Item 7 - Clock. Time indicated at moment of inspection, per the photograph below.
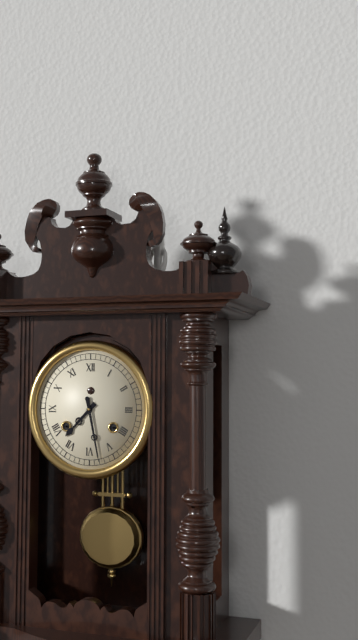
7:28
